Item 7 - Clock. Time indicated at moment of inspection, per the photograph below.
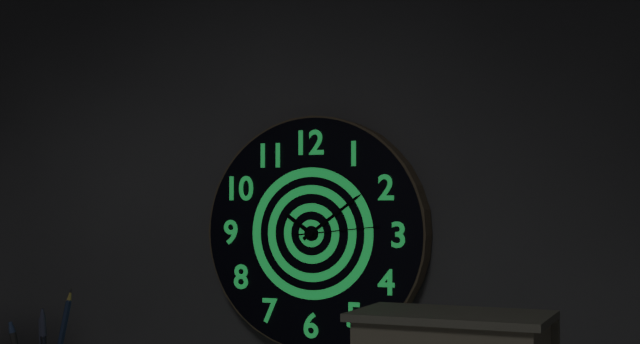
10:09:14
